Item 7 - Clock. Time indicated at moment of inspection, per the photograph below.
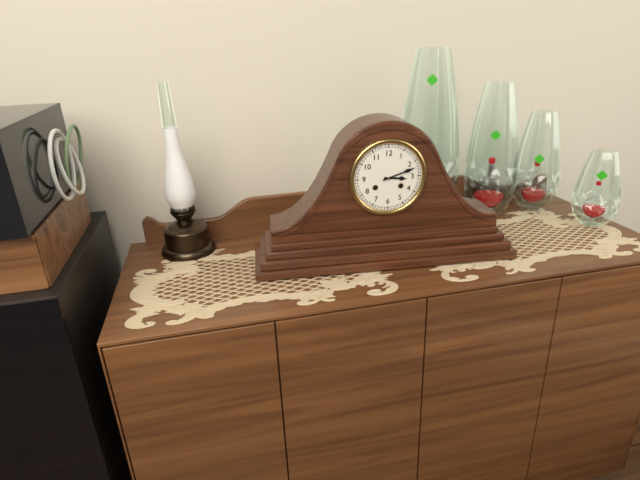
3:12
